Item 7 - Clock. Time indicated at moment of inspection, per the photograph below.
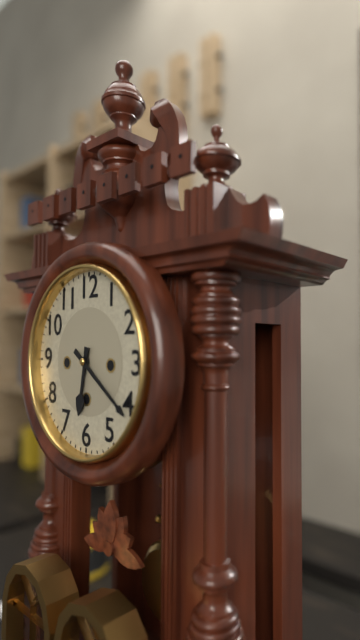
6:21
